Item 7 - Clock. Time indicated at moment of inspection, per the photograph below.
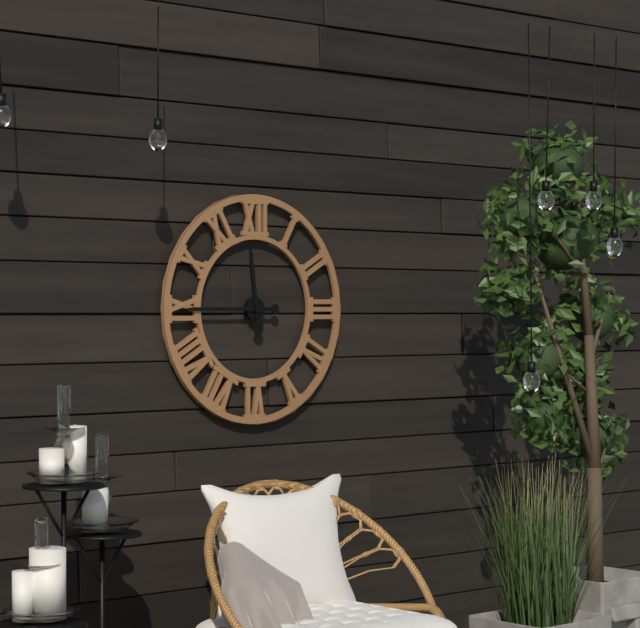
11:45
